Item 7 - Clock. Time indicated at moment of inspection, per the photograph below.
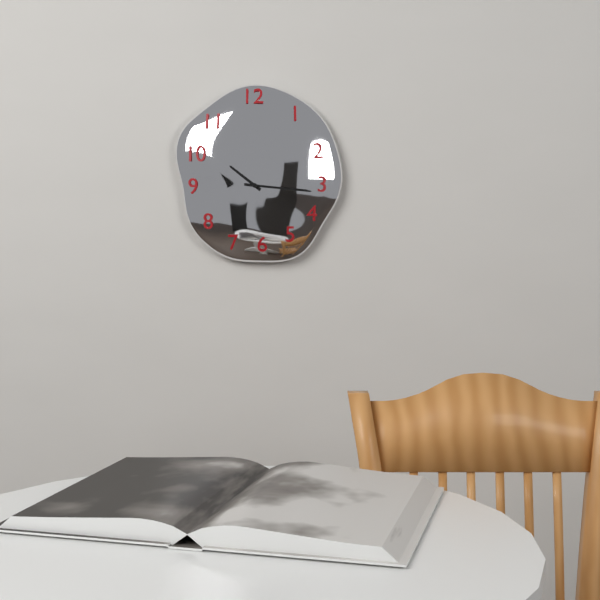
10:16
